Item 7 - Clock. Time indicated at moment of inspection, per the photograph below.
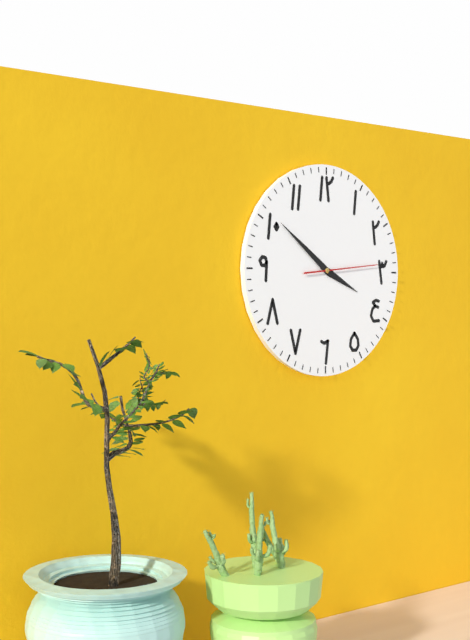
3:51:14
